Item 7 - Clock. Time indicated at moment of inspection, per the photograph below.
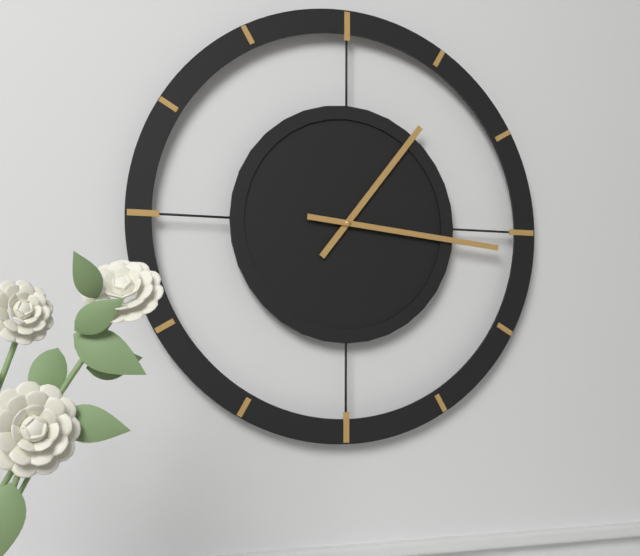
1:16
